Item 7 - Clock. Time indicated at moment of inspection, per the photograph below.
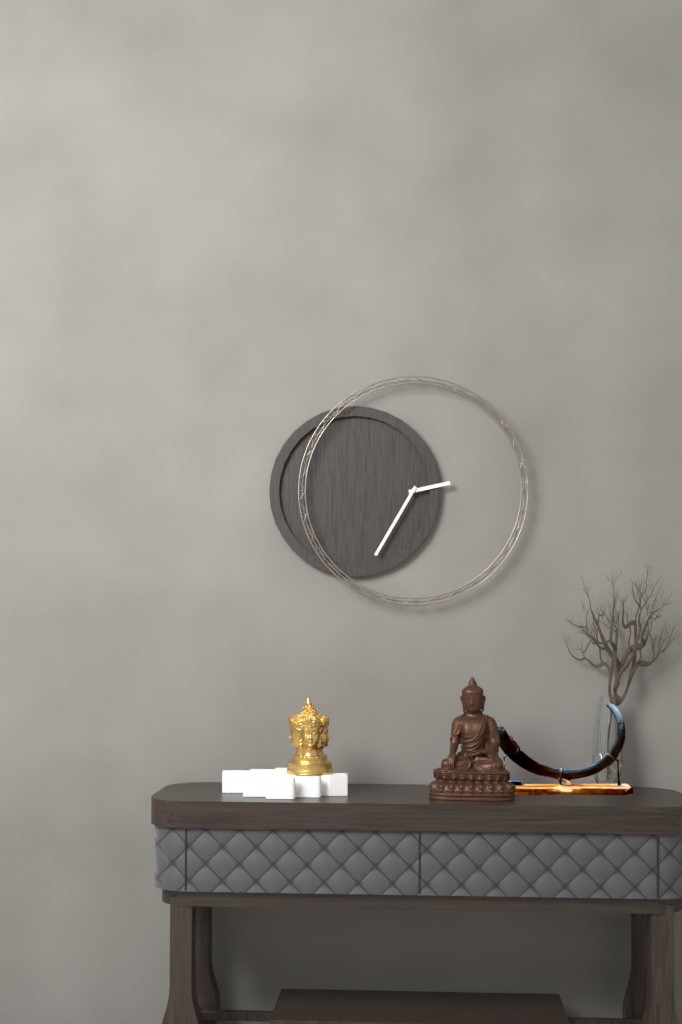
2:35
